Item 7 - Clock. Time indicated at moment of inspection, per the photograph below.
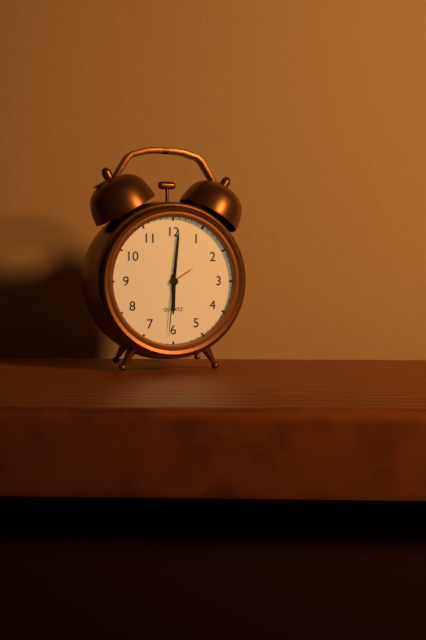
6:01:31
